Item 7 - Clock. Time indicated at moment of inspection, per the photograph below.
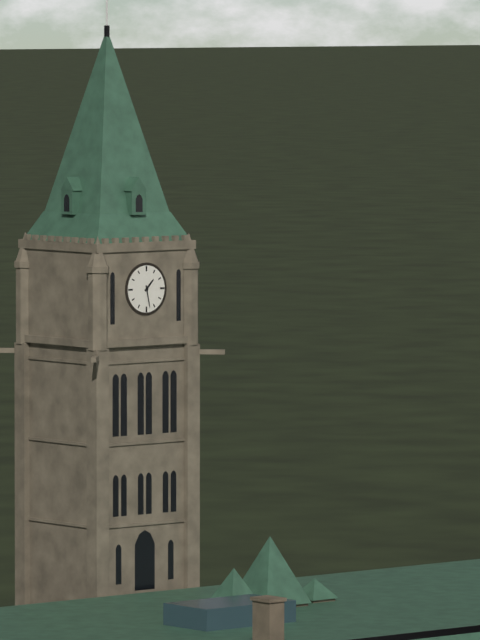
1:28
